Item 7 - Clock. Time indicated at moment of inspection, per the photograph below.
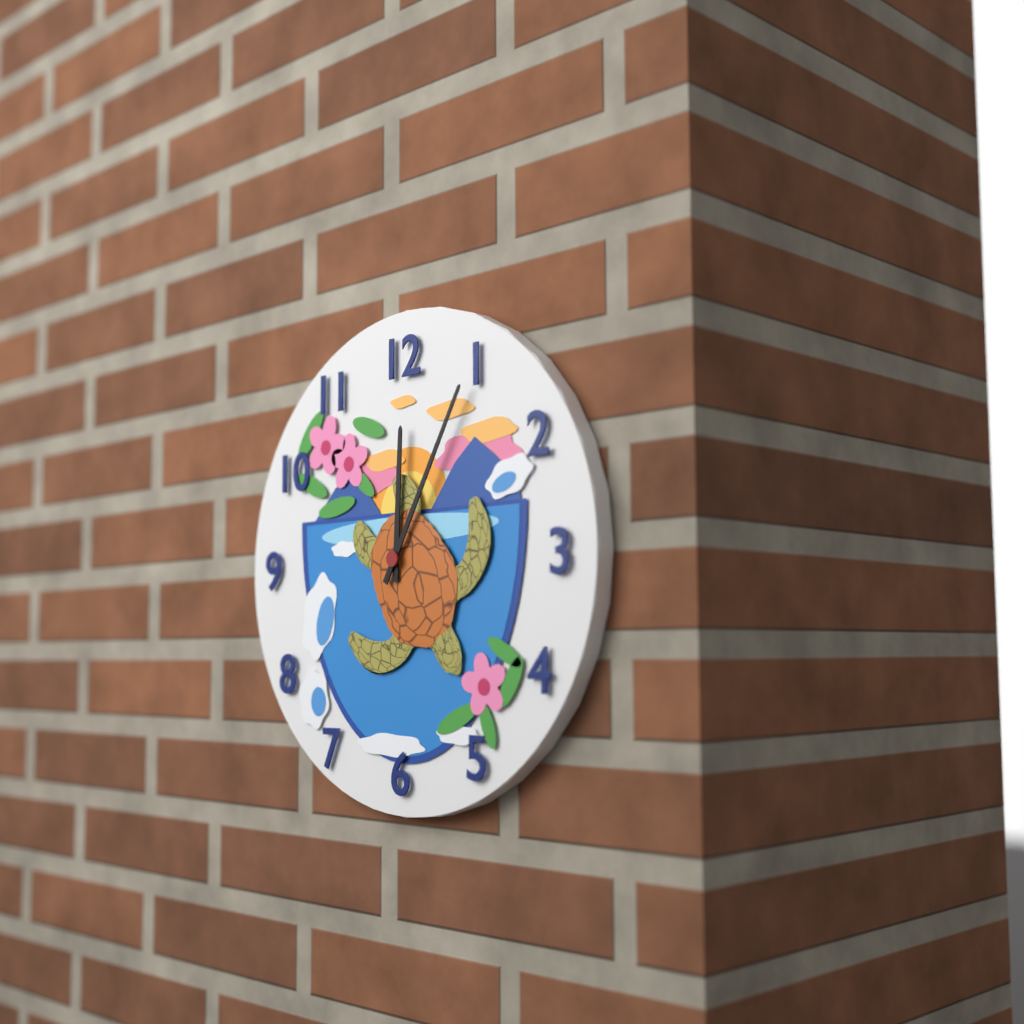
12:05
